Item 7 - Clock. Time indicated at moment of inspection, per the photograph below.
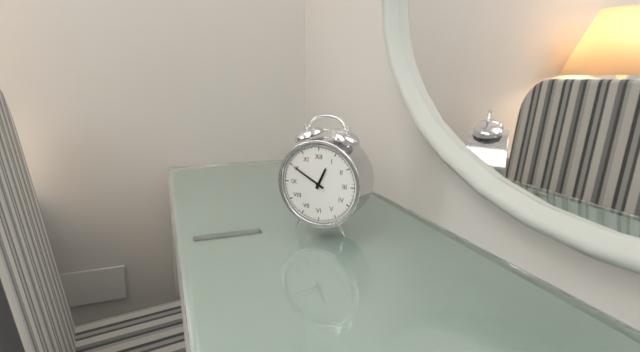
12:50
